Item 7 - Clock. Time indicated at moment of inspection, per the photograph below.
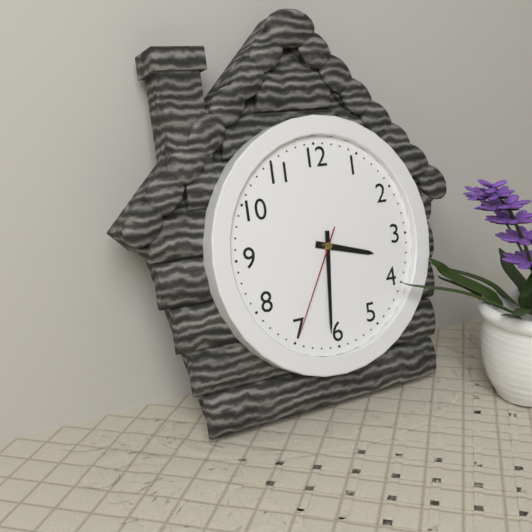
3:31:35
